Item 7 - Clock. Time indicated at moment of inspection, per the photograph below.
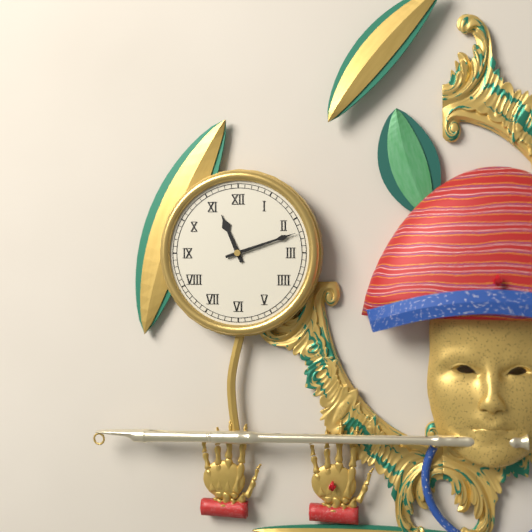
11:12
